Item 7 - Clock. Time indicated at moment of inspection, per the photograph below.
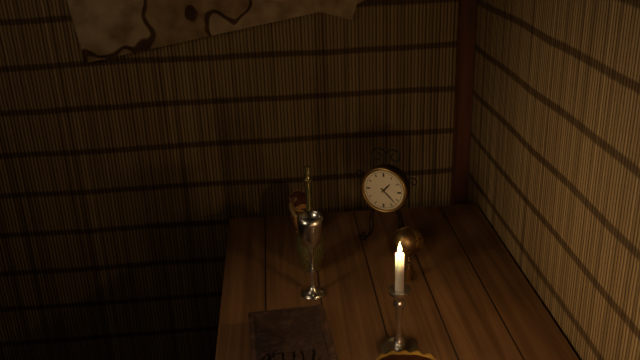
1:22
